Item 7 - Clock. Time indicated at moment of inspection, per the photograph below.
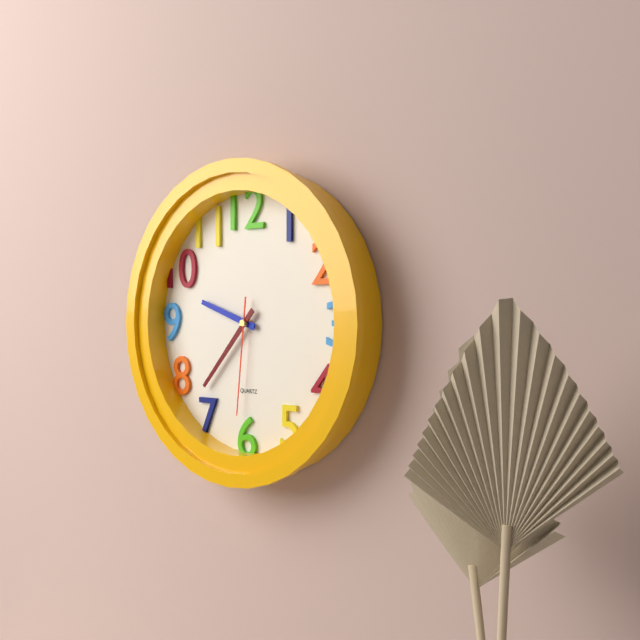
9:37:31
